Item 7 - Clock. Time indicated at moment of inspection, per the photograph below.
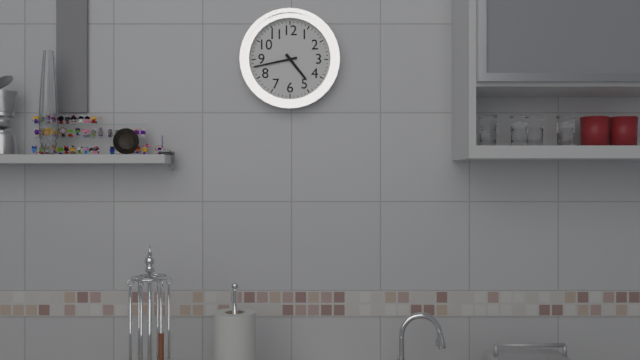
4:43
